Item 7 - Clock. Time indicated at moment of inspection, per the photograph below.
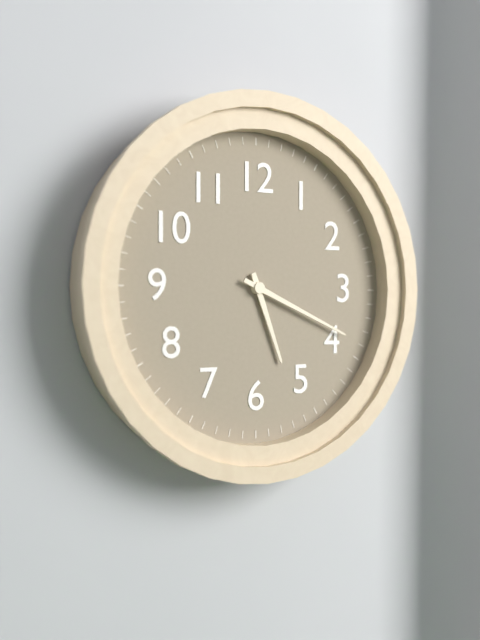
5:19
